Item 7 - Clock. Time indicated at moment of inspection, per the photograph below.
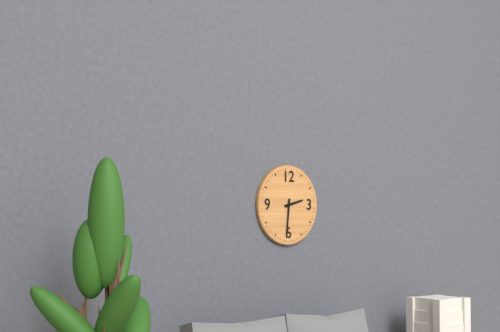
2:31
